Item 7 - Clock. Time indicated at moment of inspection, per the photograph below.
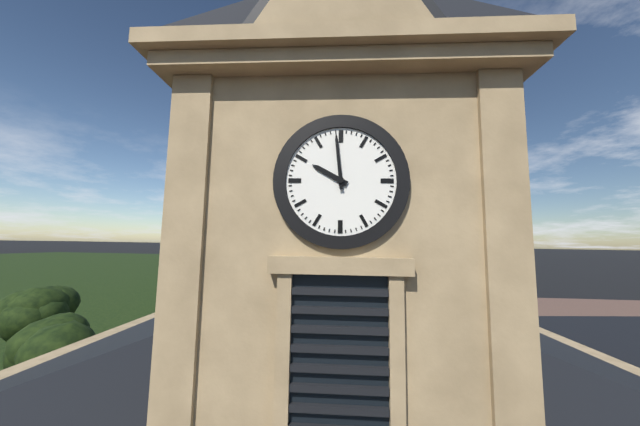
9:59
